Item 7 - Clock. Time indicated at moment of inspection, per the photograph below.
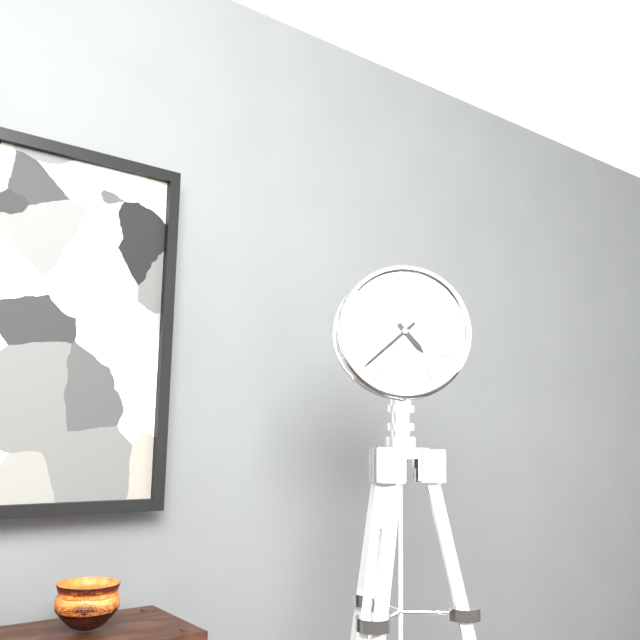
4:38
